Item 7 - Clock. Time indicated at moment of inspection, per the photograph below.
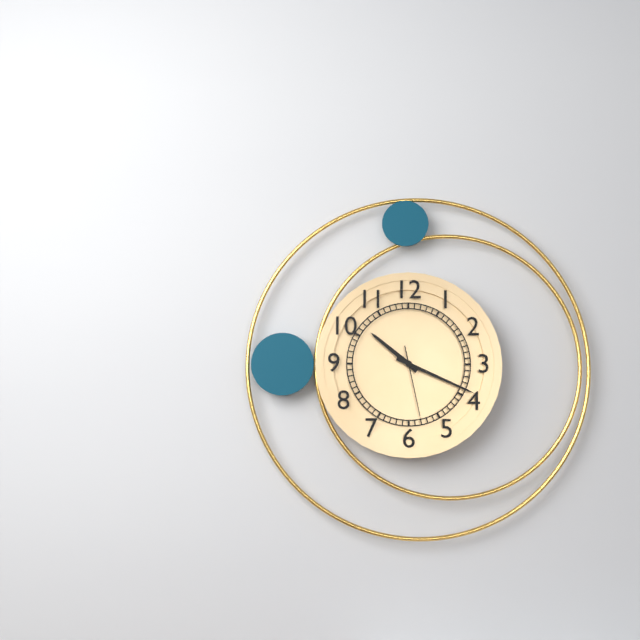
10:19:28
